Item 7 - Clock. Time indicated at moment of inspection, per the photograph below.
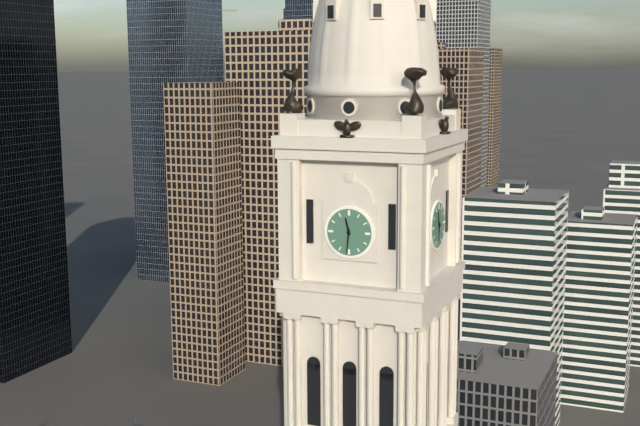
11:31
